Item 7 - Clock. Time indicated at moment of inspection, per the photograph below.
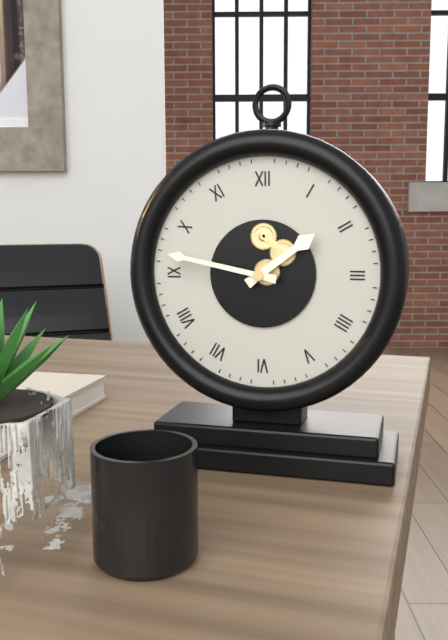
1:47
